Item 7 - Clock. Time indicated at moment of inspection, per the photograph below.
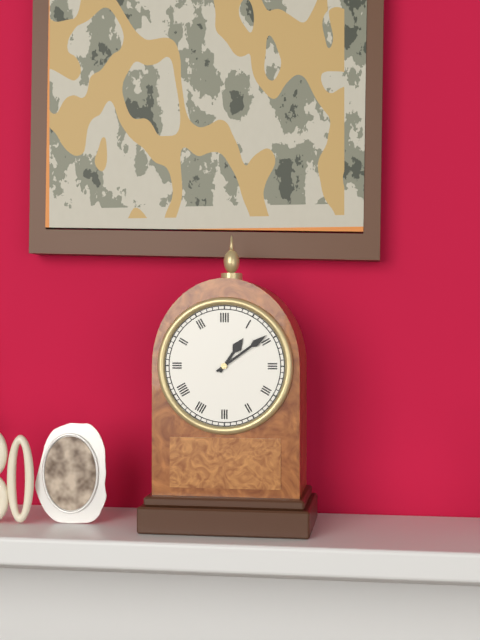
1:09
